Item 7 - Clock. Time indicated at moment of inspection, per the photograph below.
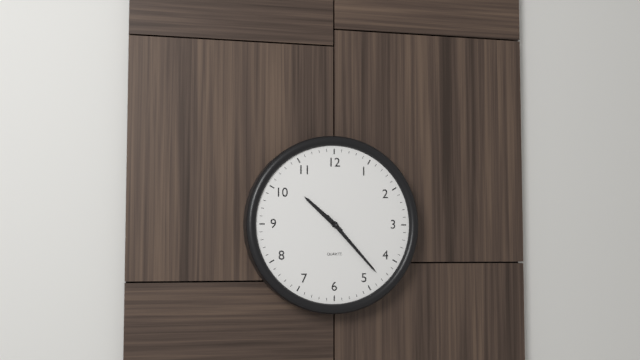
10:23
